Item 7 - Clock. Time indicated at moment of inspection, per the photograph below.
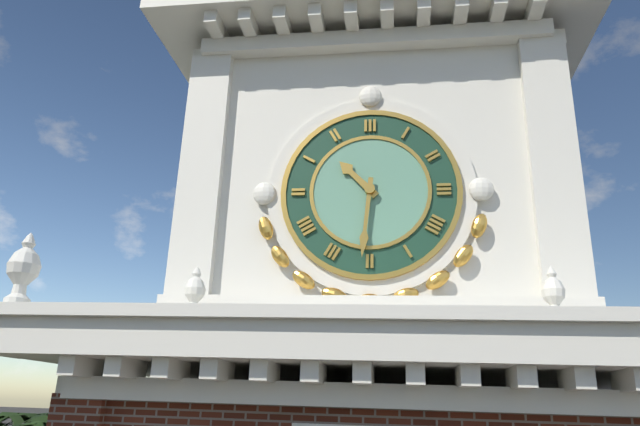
10:31
